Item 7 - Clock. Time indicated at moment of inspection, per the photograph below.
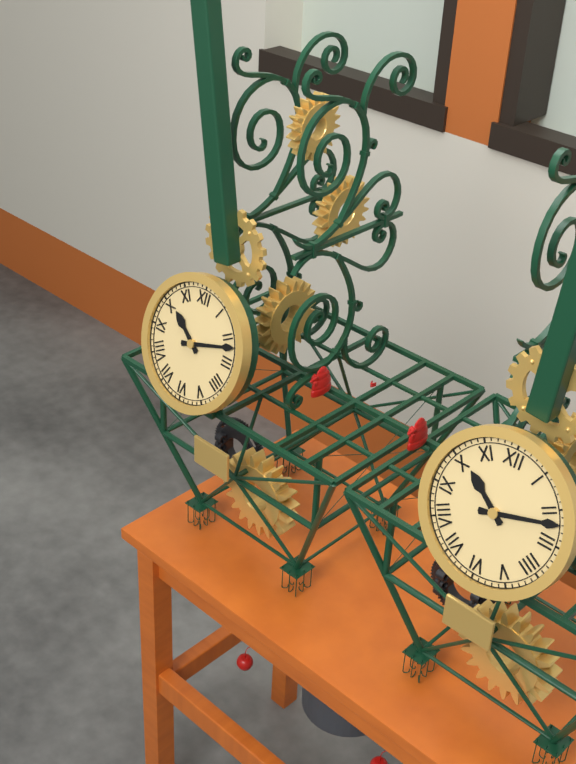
10:12
